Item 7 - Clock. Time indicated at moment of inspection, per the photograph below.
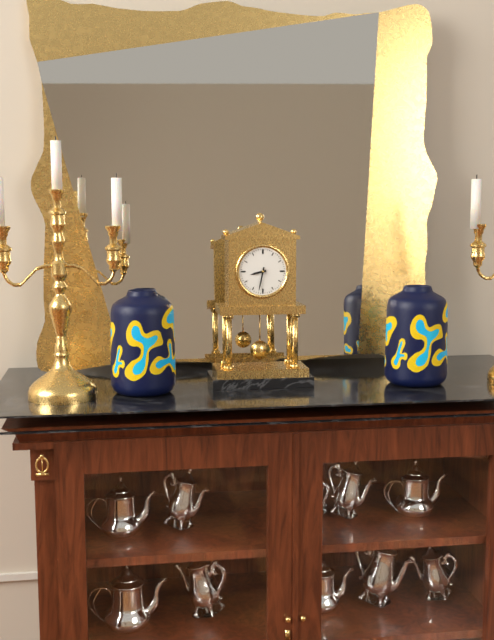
8:32
